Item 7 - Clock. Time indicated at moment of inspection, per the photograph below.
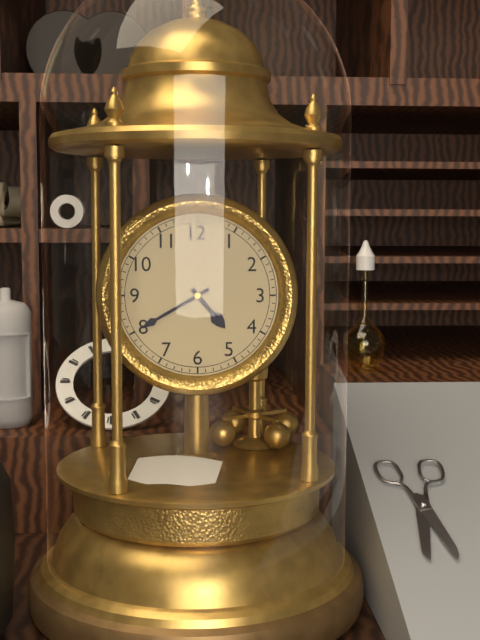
4:40
